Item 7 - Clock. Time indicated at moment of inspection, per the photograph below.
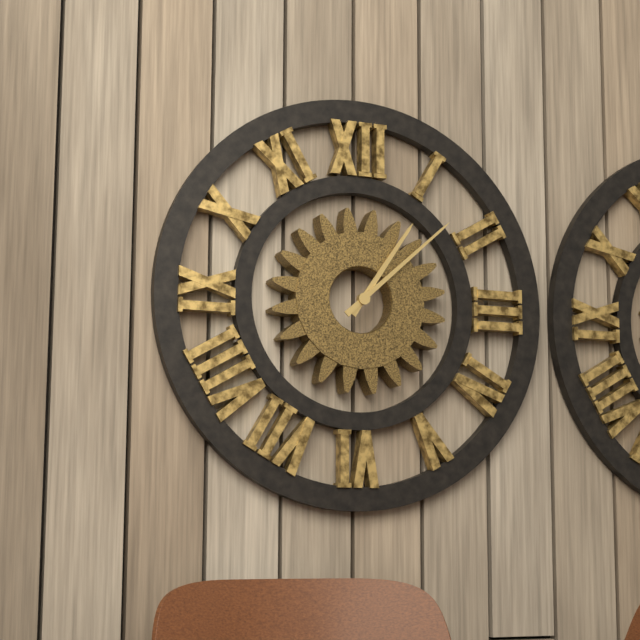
1:08
